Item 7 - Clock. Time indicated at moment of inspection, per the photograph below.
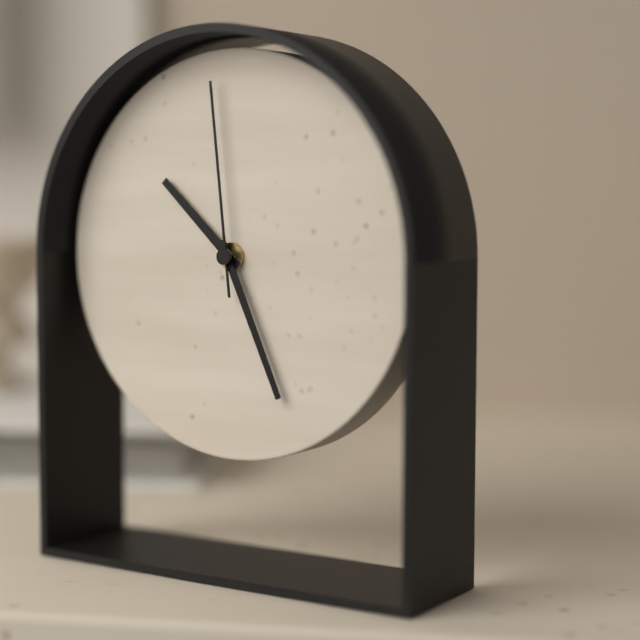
10:26:59
